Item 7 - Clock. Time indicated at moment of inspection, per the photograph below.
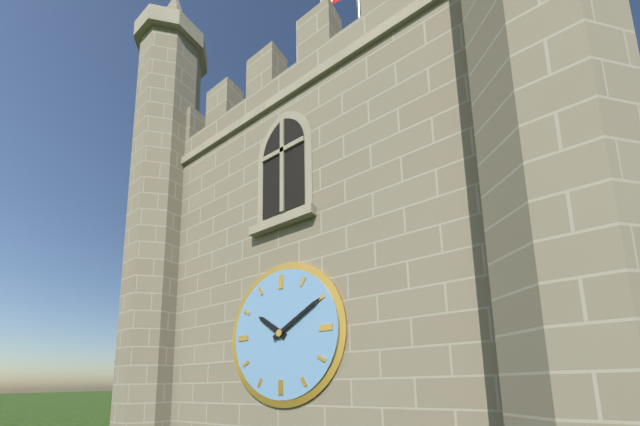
10:10
